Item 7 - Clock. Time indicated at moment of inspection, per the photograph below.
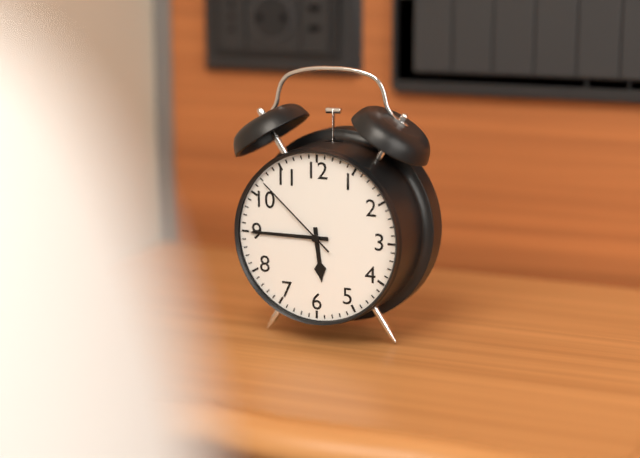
5:45:52
